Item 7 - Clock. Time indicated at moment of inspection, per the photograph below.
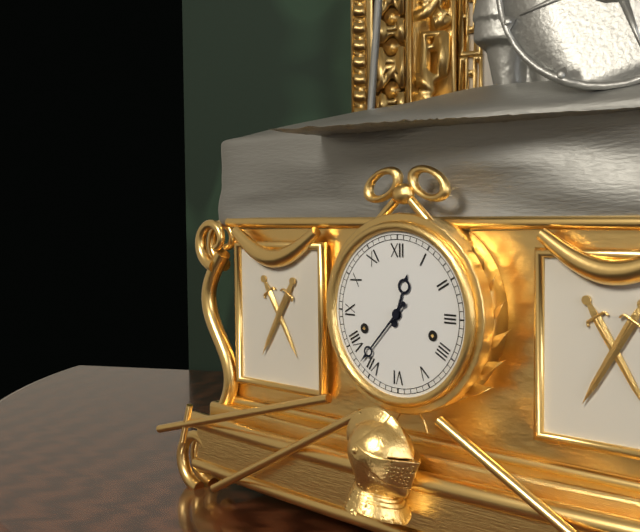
12:37
